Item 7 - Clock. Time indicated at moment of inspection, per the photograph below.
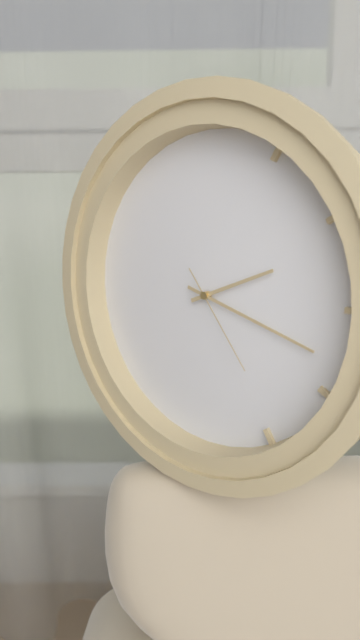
2:18:24
